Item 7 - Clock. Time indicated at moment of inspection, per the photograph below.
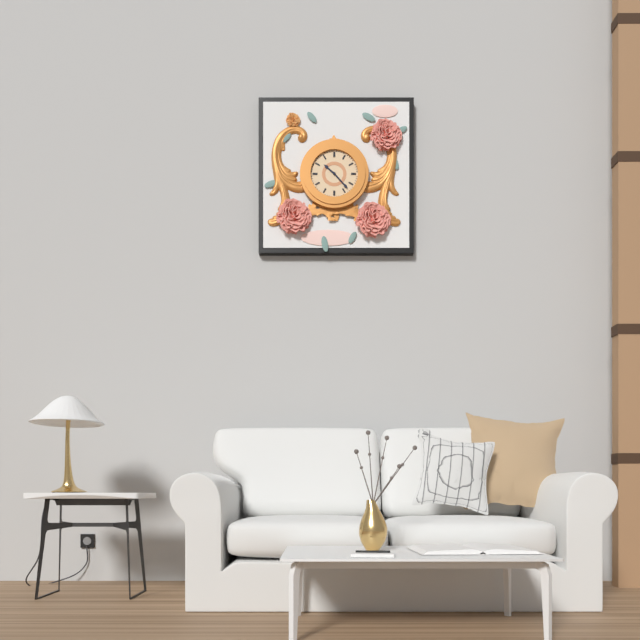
10:23
